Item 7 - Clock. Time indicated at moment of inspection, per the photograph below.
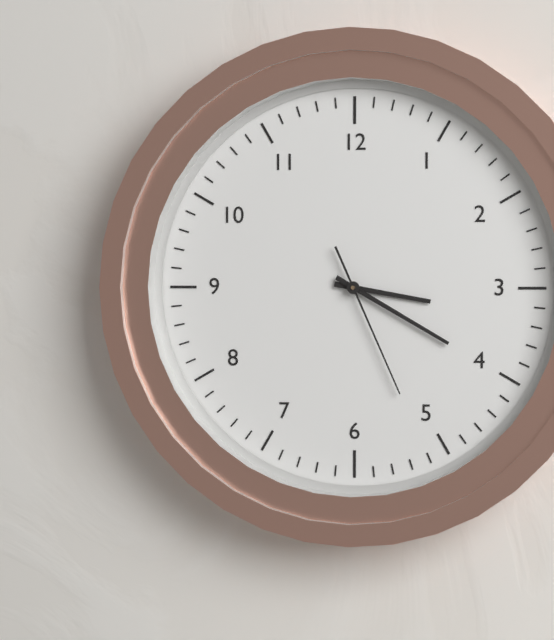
3:20:26
